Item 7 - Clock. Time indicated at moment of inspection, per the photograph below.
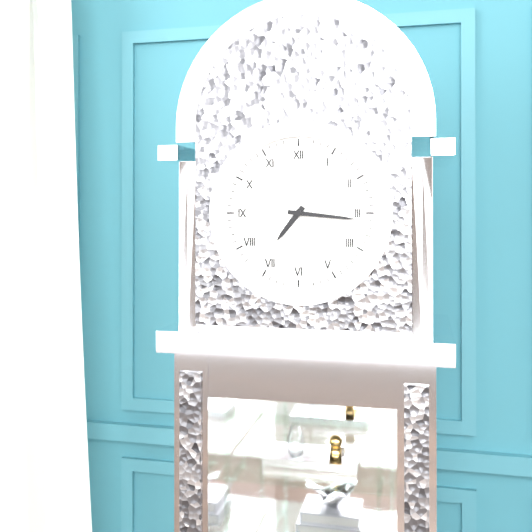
7:16
